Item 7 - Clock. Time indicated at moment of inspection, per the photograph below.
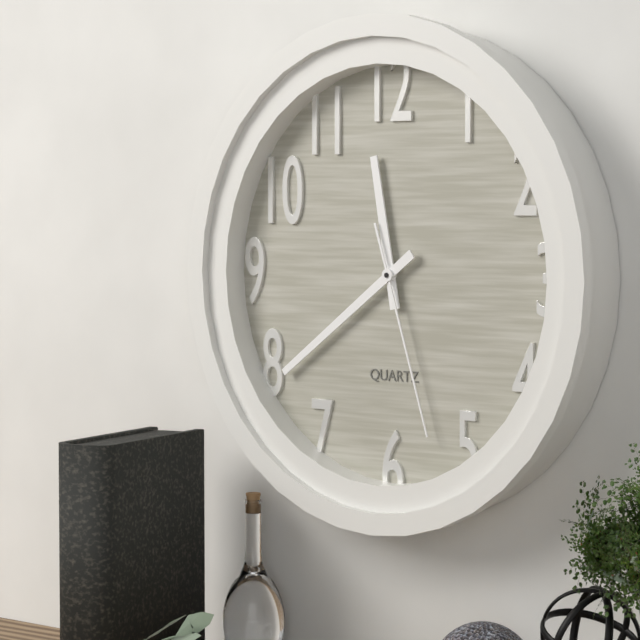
11:39:27
